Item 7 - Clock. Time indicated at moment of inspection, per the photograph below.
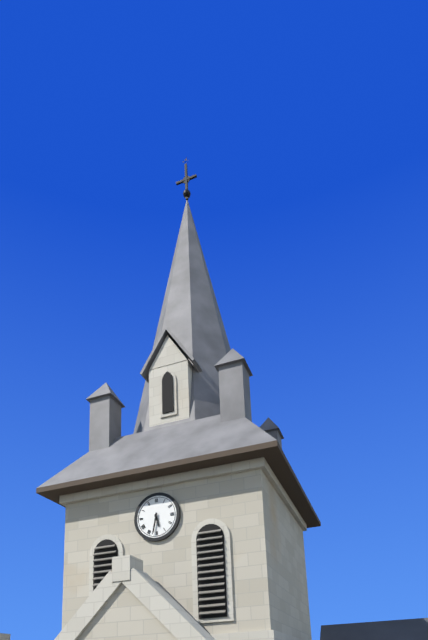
5:32
